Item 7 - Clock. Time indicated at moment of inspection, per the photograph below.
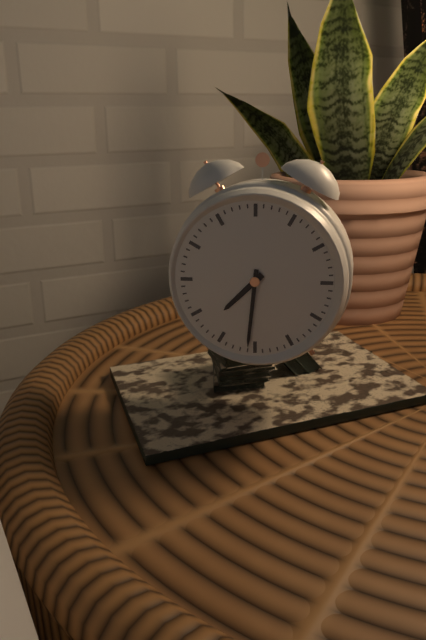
7:31
